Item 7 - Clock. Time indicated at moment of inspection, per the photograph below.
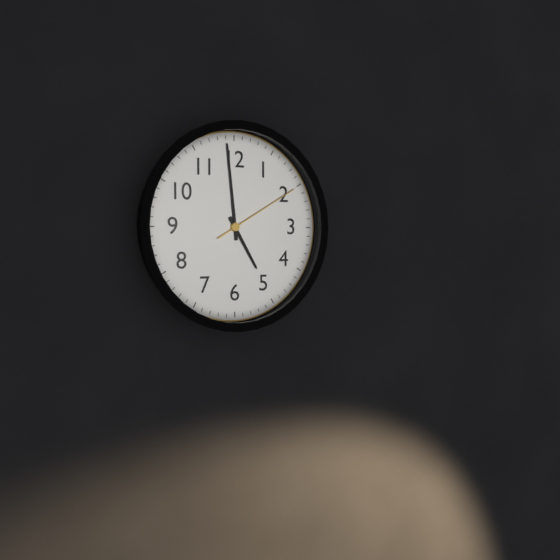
4:59:10
